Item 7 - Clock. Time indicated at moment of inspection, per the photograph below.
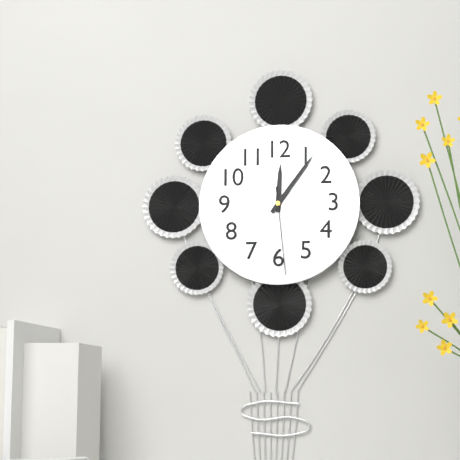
12:06:29
